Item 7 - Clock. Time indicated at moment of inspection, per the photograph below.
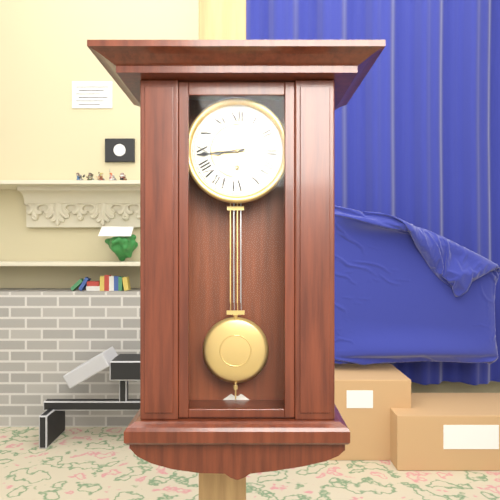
8:44
